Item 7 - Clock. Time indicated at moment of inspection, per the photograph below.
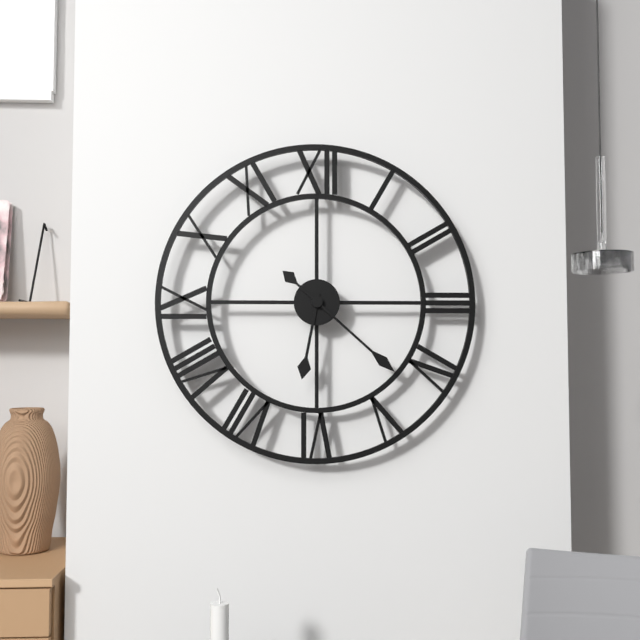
6:22
